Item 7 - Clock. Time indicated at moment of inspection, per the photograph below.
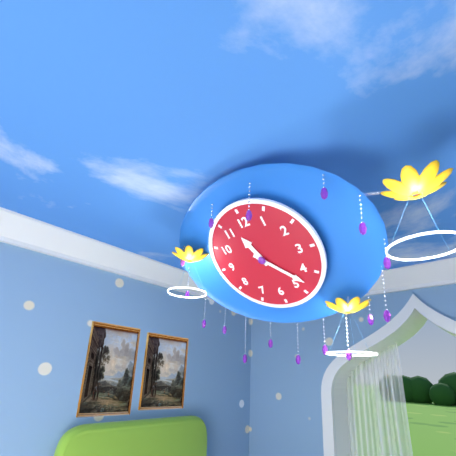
11:23
